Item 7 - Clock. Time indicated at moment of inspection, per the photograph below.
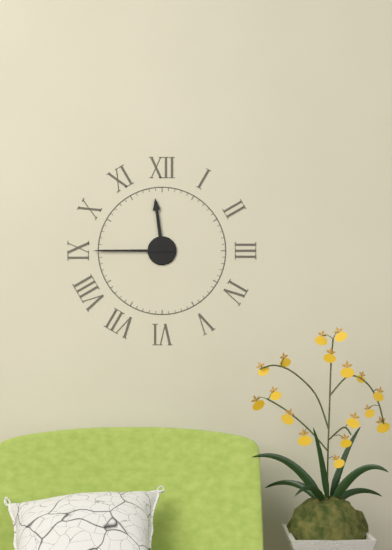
11:45
